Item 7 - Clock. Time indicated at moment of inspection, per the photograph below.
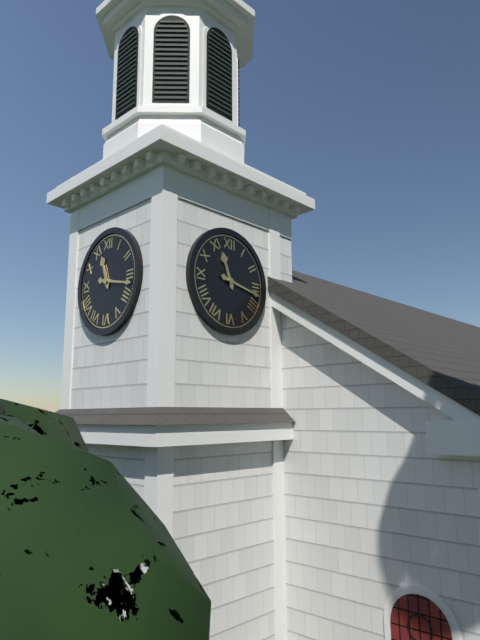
11:17
